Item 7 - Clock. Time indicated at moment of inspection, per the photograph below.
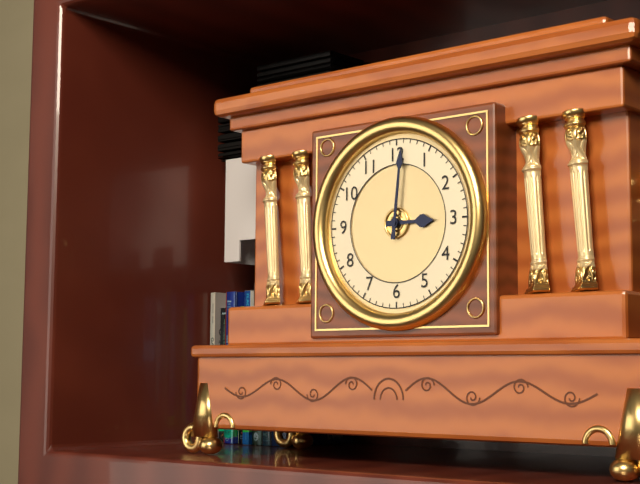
3:01
